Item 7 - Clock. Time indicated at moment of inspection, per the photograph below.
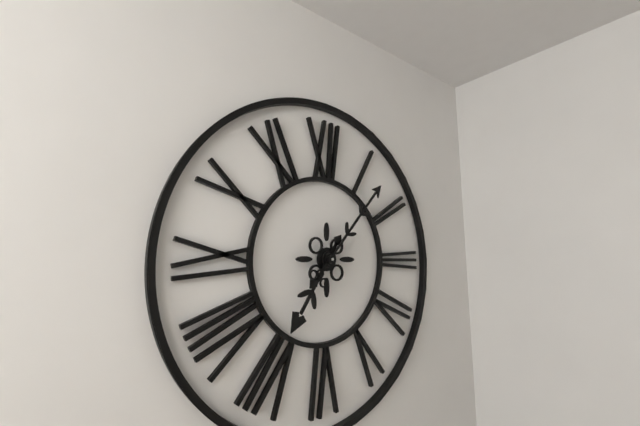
7:07
